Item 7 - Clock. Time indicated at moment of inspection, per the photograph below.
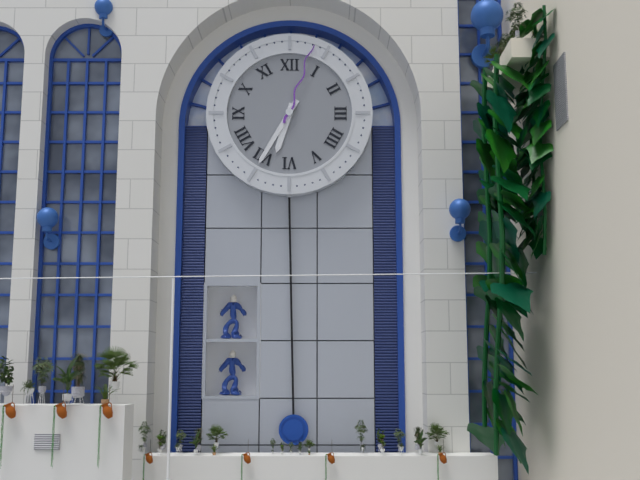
6:35:03
